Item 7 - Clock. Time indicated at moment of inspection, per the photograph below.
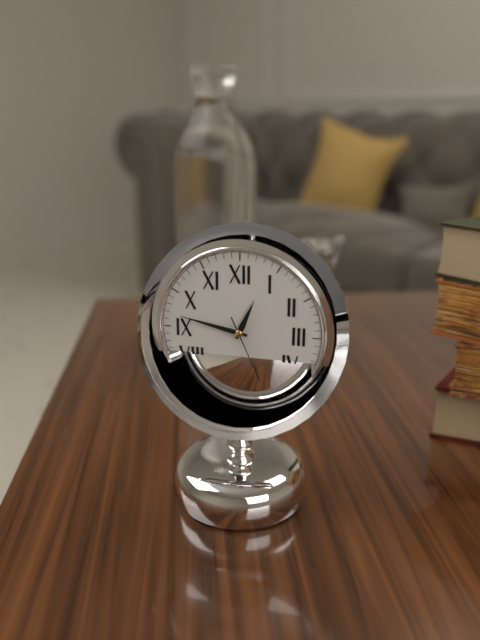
12:47
